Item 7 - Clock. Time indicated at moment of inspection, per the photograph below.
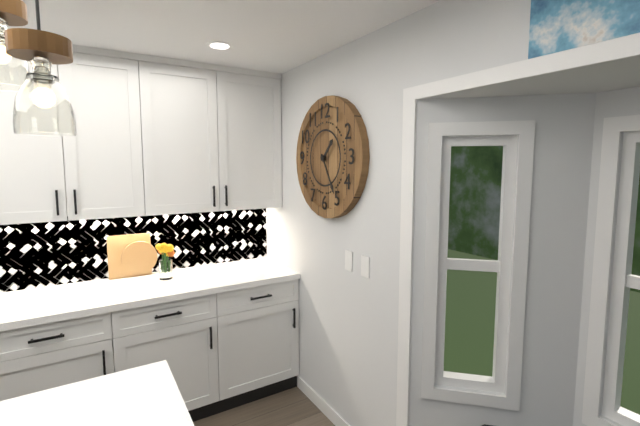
1:25
